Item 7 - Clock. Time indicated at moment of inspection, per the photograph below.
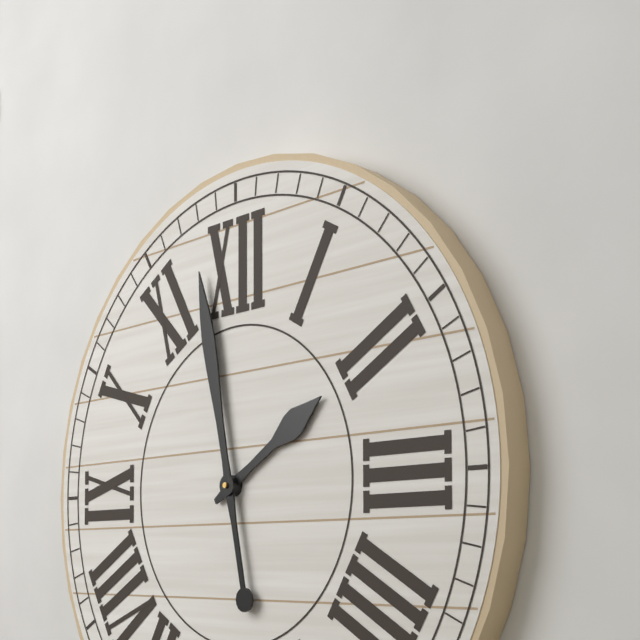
1:58
